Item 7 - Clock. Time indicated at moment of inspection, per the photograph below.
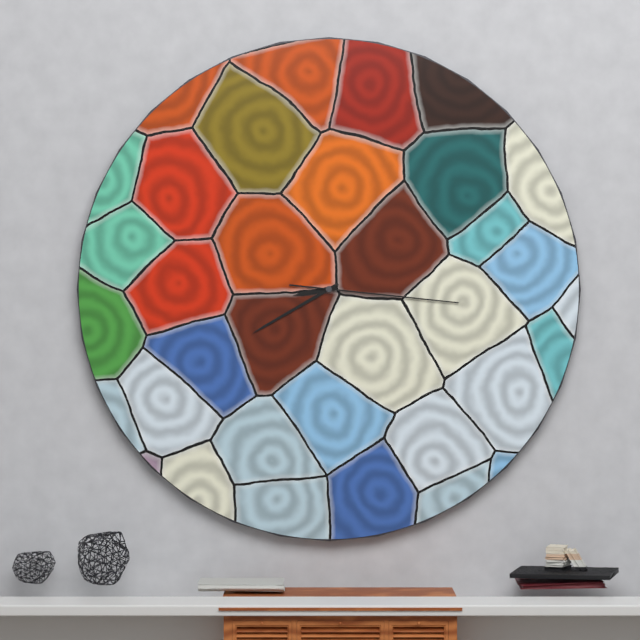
8:40:16
